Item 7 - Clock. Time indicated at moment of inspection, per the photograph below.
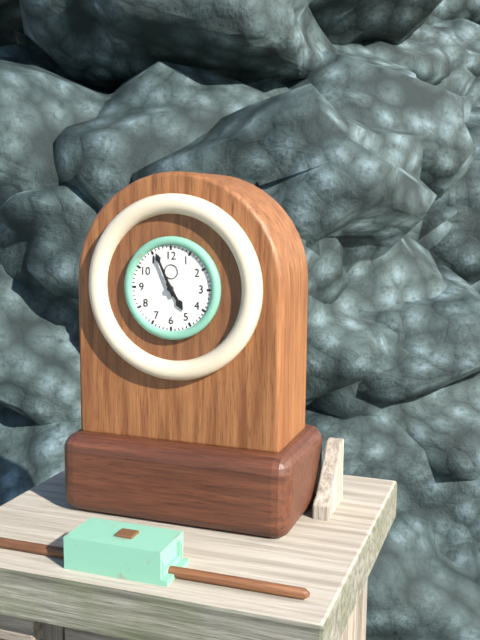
4:56
